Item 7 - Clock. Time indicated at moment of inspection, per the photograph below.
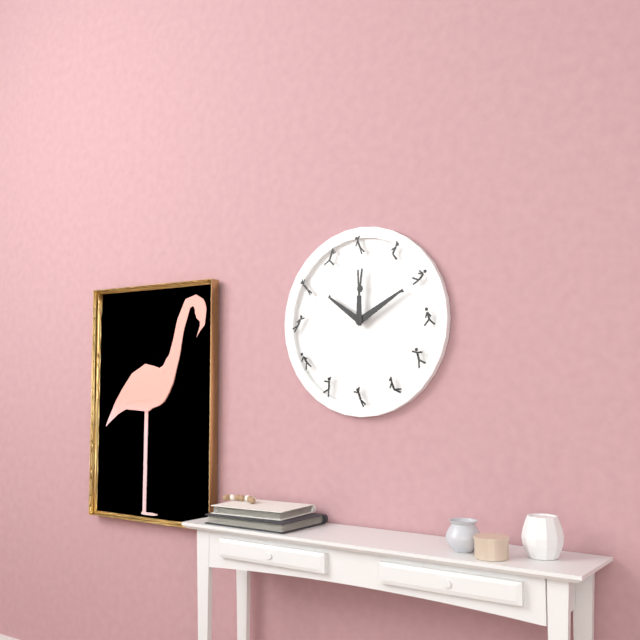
10:10
